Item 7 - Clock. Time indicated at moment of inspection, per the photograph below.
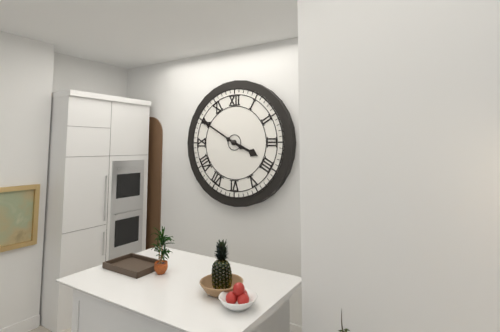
3:50
